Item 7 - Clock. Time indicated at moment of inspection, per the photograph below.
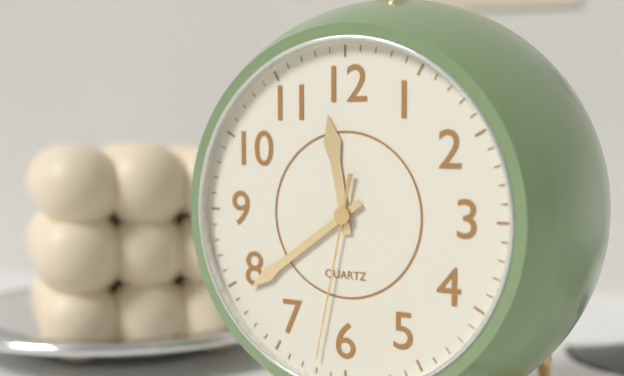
11:39:32
